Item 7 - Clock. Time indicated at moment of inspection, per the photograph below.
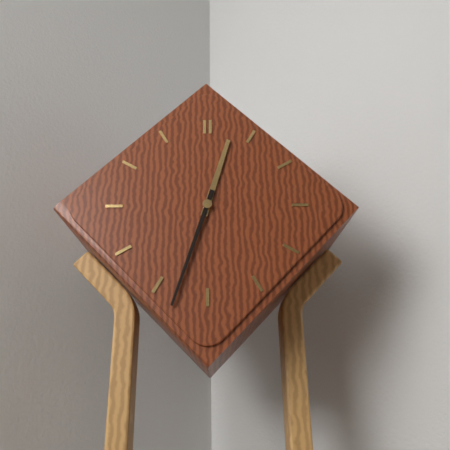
12:33
